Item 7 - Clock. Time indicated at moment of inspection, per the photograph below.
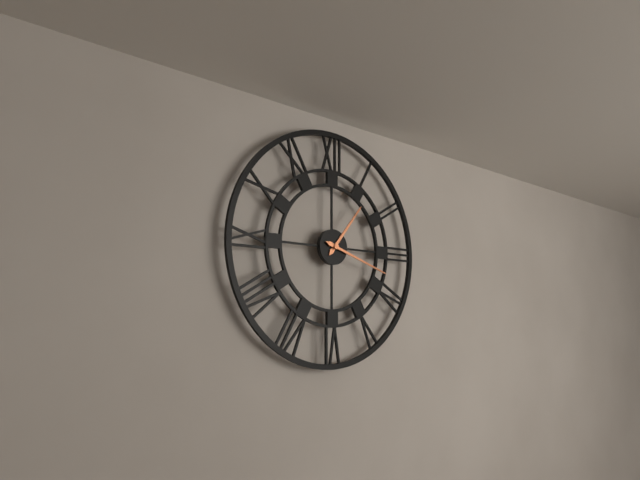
1:18
